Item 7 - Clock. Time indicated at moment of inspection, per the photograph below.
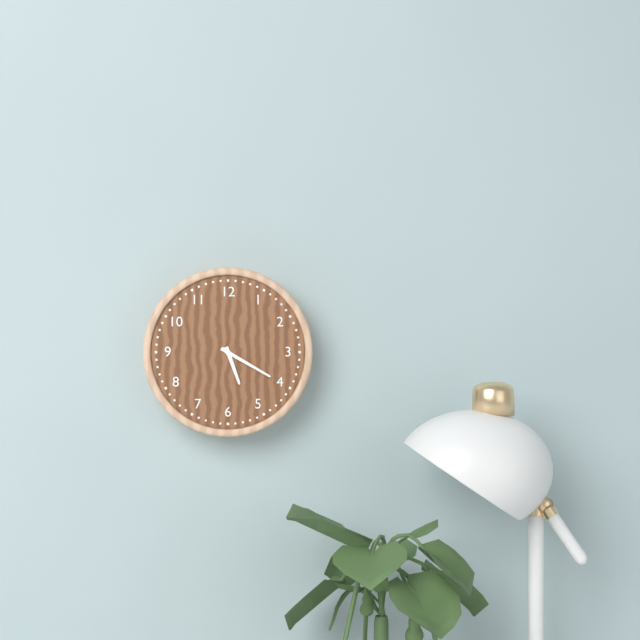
5:20
